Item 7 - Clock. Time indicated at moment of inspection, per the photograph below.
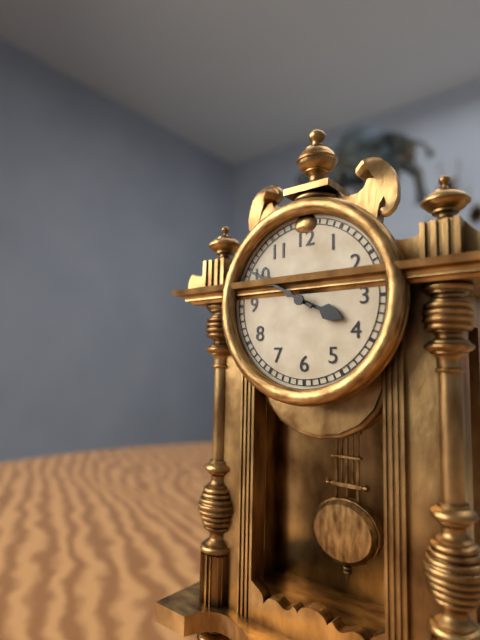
3:50
